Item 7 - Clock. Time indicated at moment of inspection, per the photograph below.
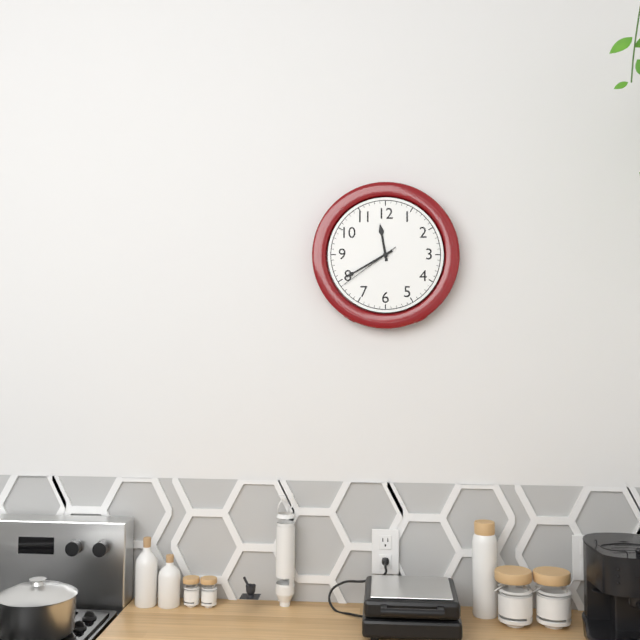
11:40:39
